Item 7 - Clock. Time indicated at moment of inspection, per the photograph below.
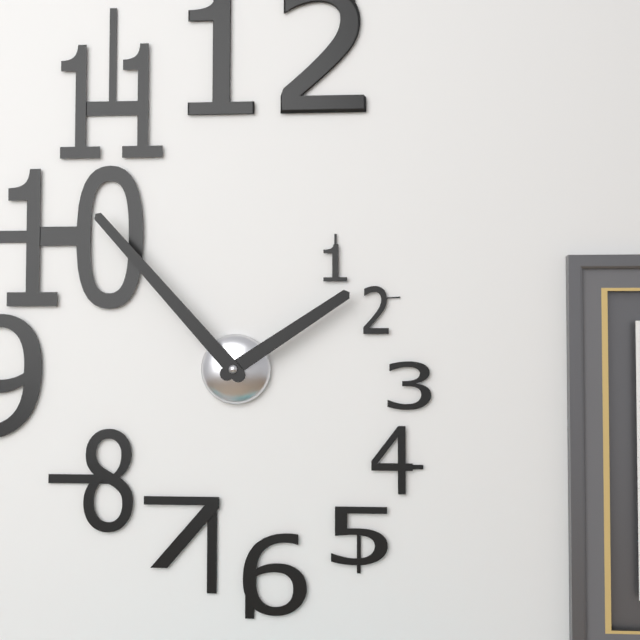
1:53
